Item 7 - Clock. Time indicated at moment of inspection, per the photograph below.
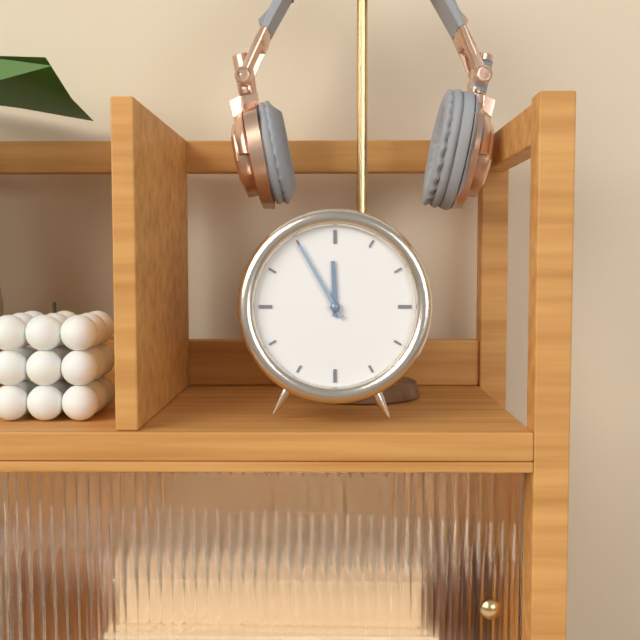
11:55
